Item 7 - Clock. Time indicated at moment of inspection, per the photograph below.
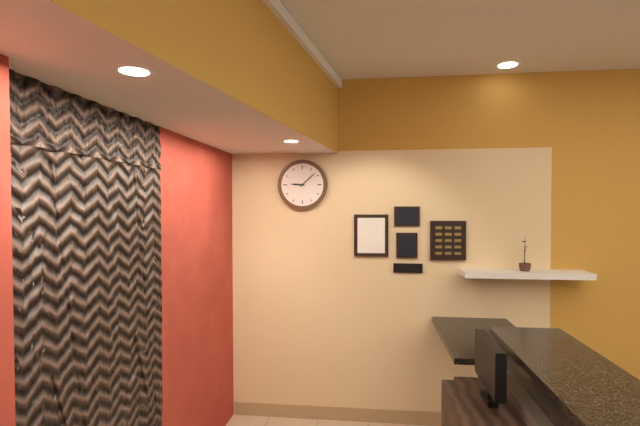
9:08
